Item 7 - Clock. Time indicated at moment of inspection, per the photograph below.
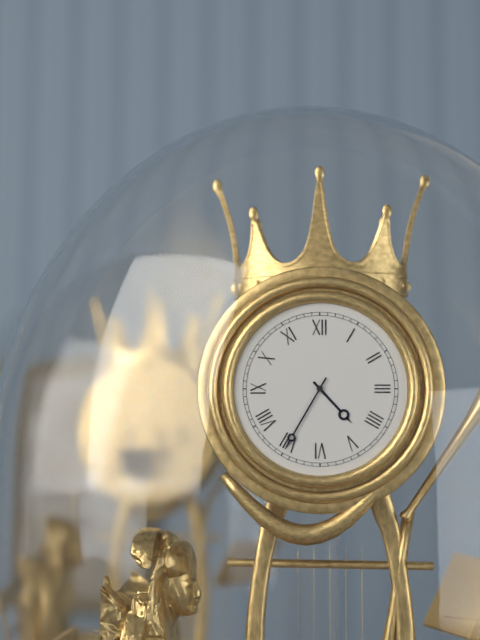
4:35
